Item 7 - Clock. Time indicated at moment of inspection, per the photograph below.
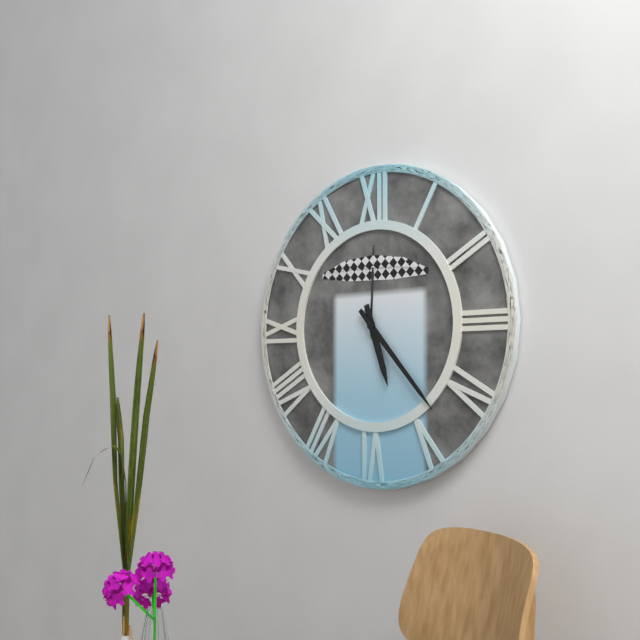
5:23
